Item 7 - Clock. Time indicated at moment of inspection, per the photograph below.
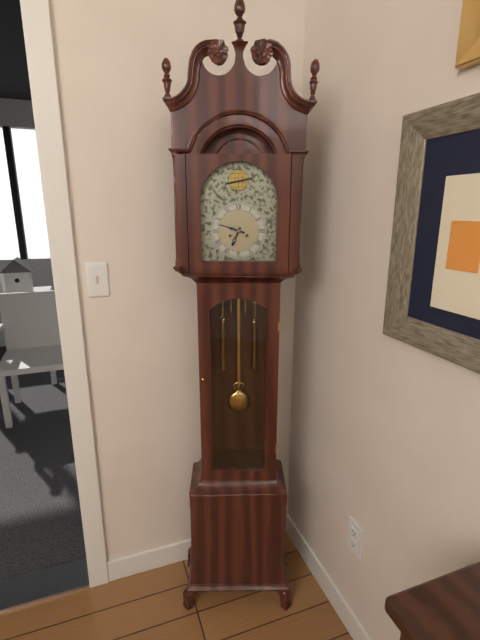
6:48
